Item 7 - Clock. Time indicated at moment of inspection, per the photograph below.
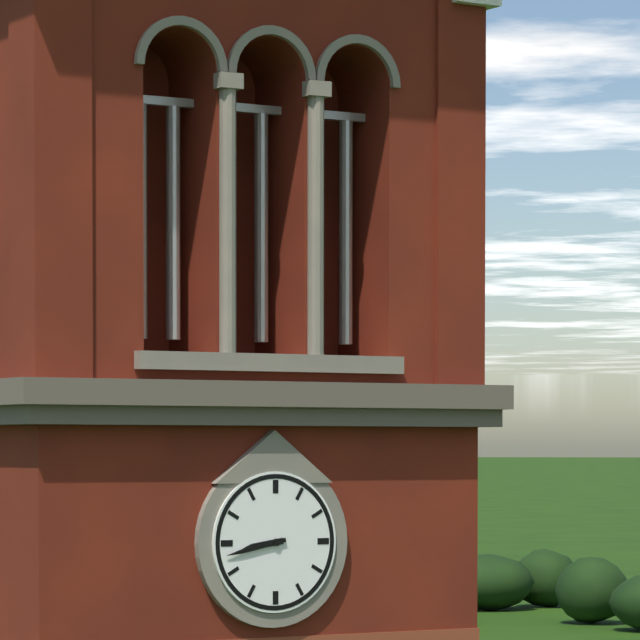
8:43
